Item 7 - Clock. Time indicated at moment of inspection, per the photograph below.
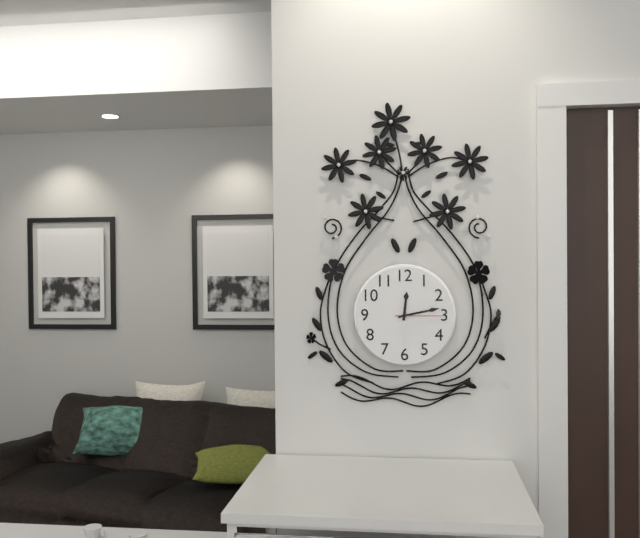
12:13
